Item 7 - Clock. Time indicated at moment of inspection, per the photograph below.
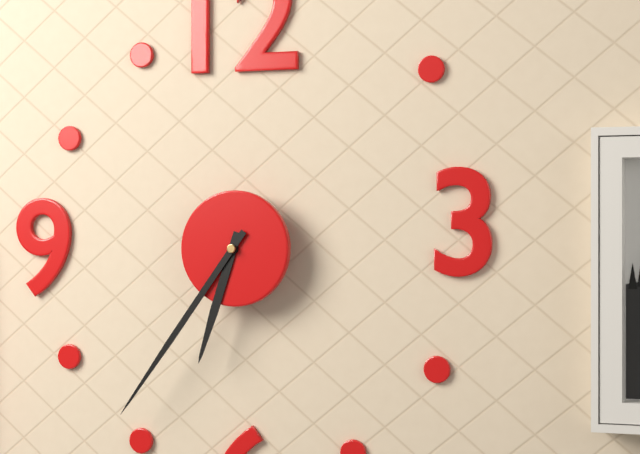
6:36
